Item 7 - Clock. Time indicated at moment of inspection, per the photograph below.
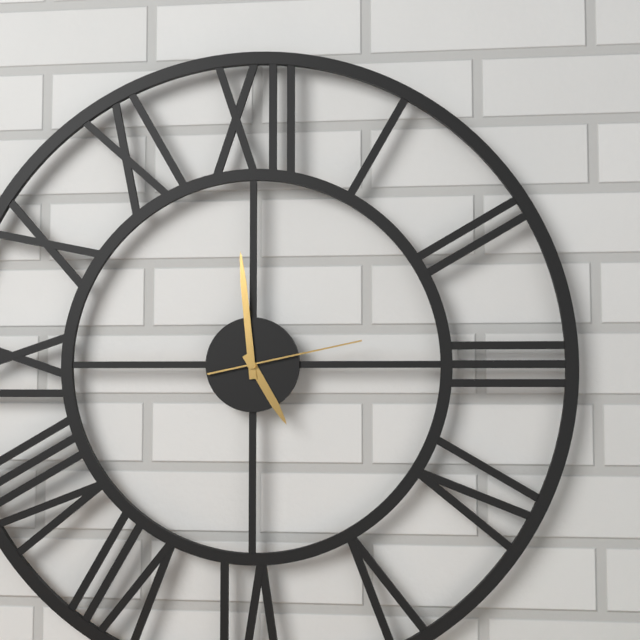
4:59:13
